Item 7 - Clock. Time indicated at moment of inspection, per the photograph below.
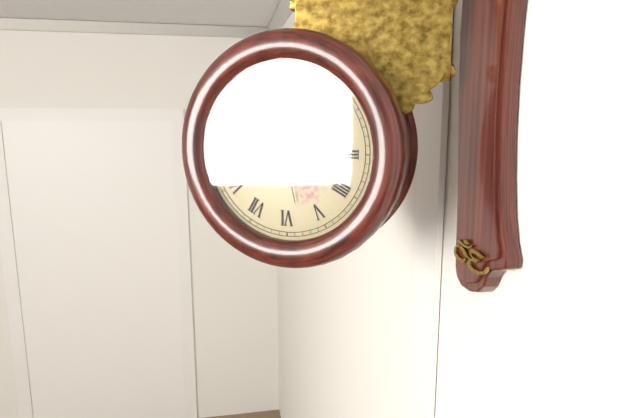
2:06:28
